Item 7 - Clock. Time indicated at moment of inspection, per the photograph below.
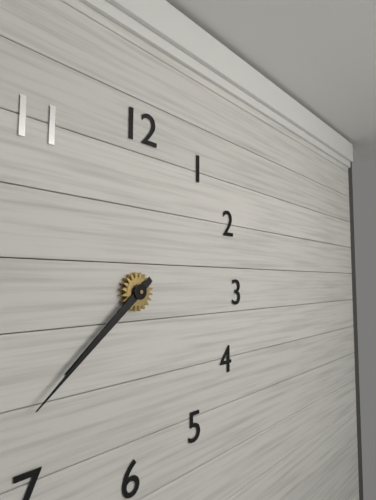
7:38
